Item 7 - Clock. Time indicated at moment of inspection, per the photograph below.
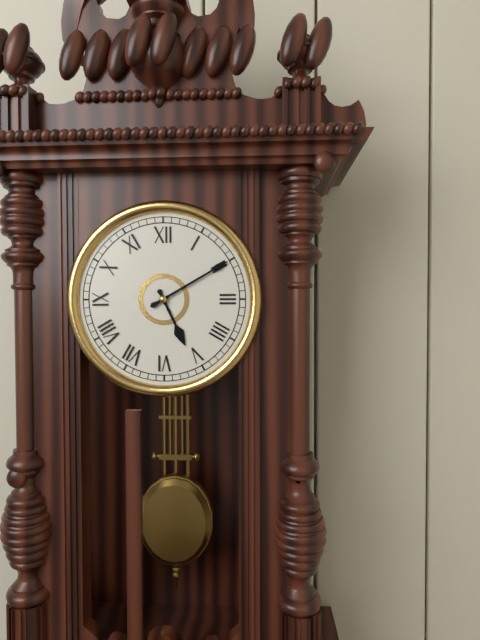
5:10
